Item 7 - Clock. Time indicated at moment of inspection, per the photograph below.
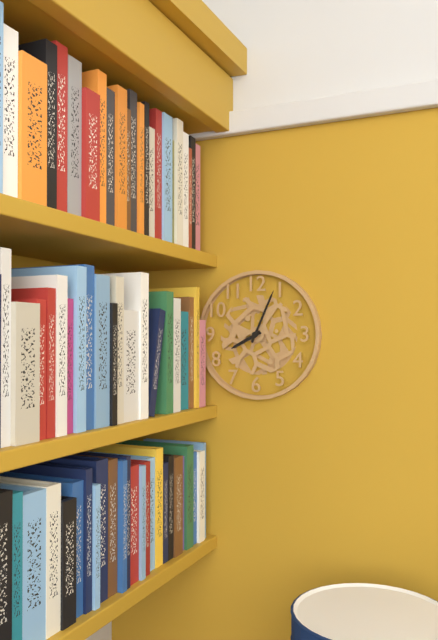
8:04
